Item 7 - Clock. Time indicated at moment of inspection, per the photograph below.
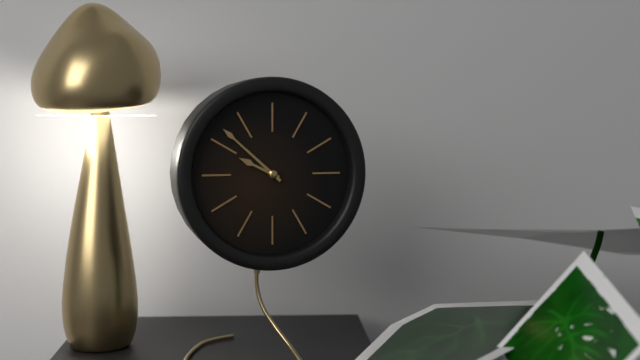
9:52
